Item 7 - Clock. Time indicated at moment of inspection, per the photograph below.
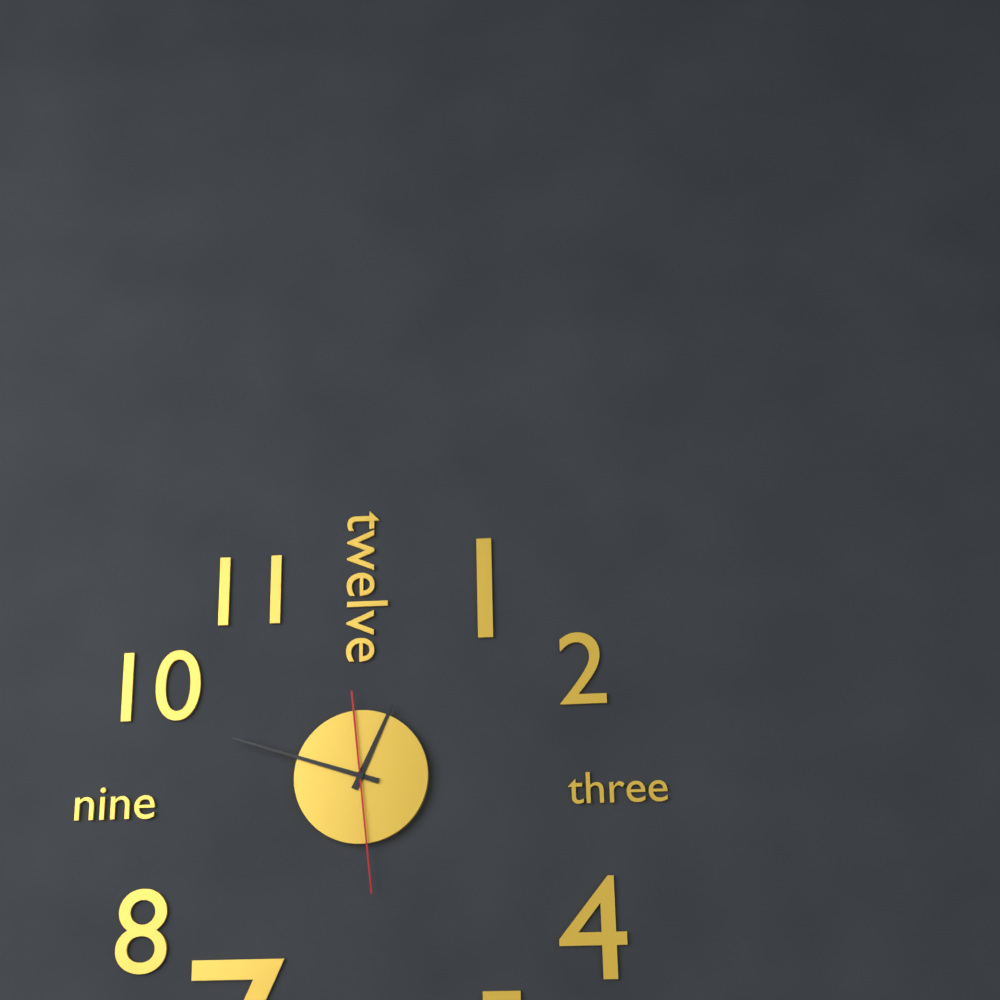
12:48:29
